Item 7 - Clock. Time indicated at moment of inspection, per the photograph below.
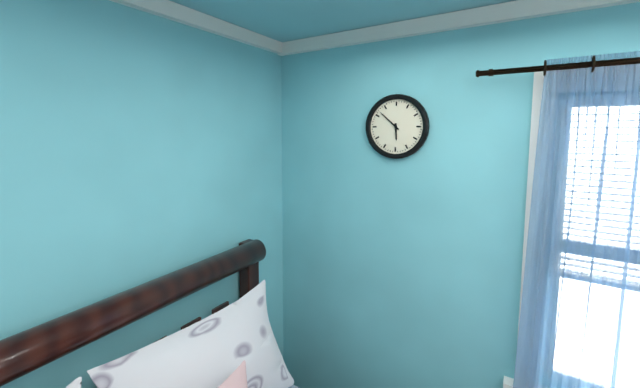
5:52
